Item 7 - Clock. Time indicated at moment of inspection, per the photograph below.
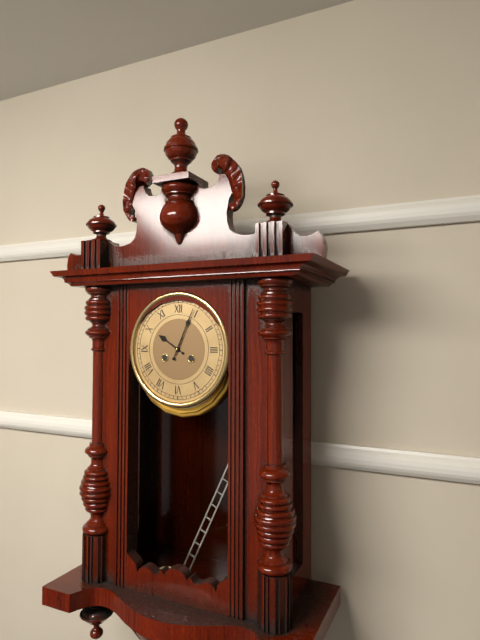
10:04
